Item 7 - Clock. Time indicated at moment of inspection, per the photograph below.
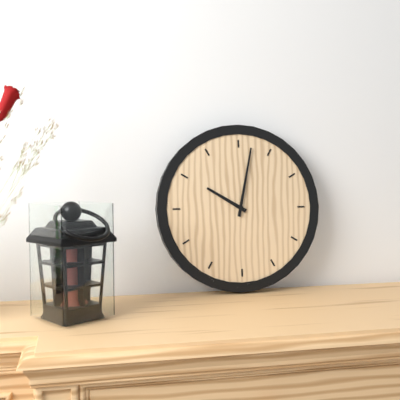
10:02
